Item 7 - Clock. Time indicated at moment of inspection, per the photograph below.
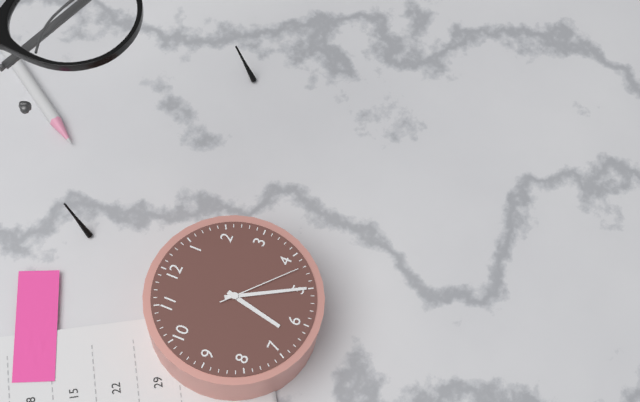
6:25:22
